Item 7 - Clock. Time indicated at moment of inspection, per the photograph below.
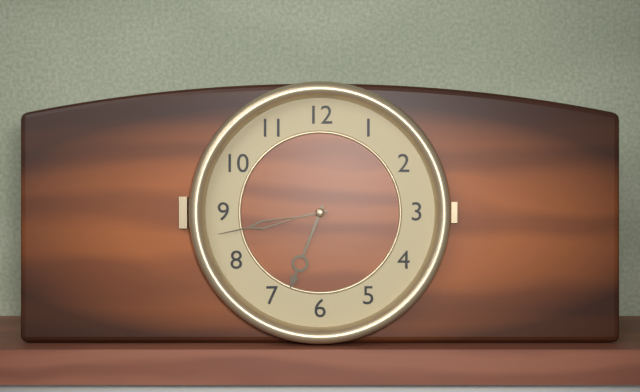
6:43
